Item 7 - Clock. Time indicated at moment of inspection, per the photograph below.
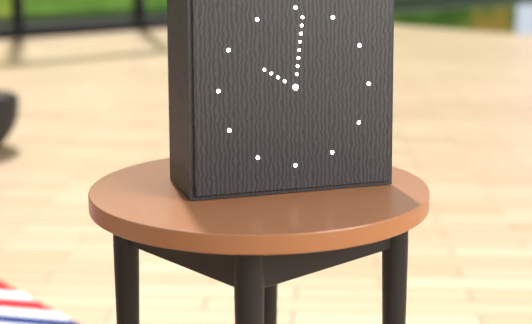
10:01
